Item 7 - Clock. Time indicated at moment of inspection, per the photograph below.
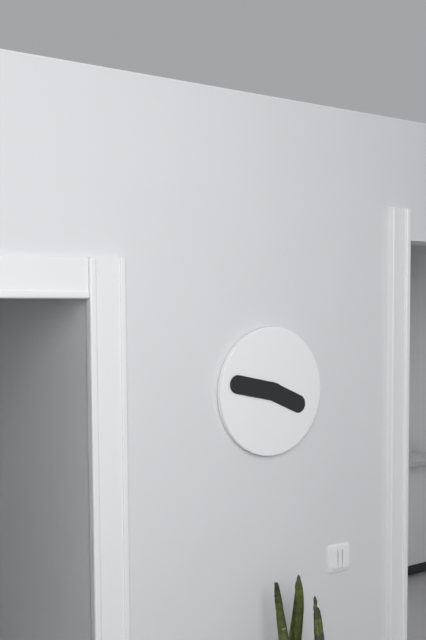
3:47
